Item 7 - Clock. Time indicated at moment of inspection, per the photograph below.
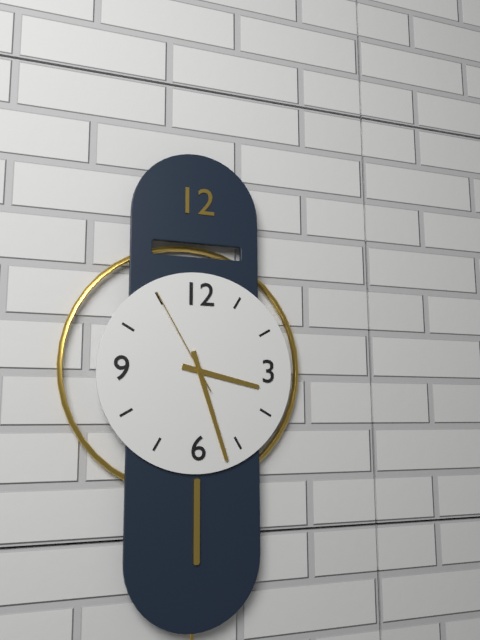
3:27:55
